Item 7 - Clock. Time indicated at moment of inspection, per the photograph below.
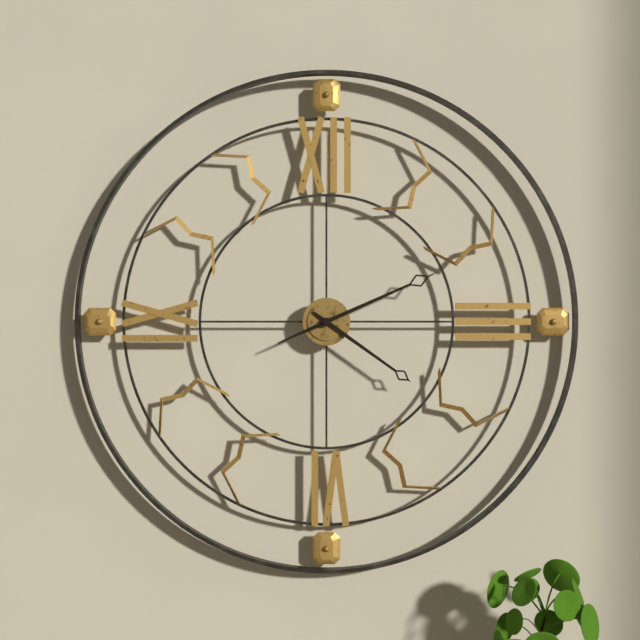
4:11
